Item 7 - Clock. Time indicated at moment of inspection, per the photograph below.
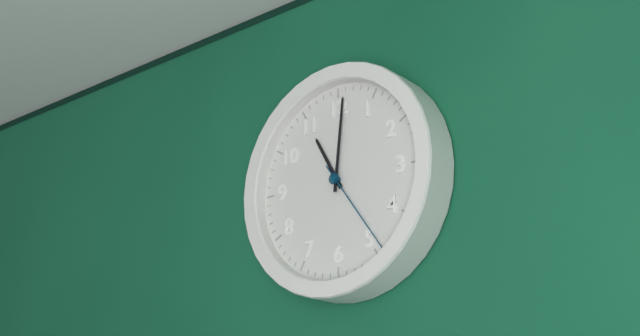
11:01:24
